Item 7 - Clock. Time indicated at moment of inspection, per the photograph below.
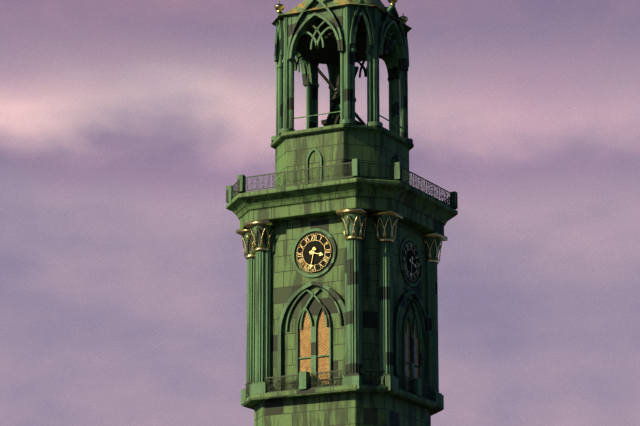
3:32
